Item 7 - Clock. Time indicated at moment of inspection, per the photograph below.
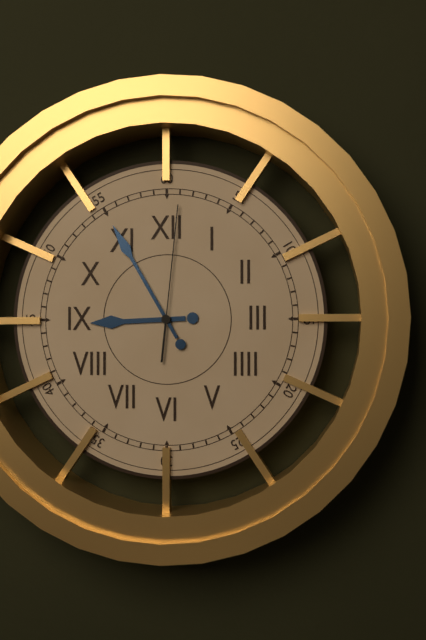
8:55:01
